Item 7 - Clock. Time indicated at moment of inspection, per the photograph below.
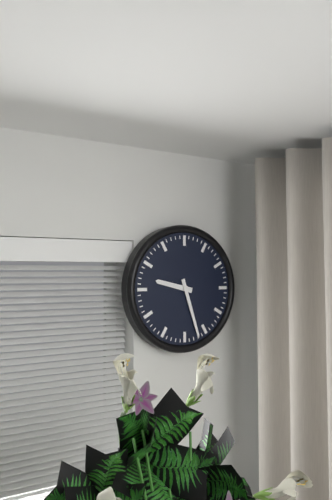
9:27
